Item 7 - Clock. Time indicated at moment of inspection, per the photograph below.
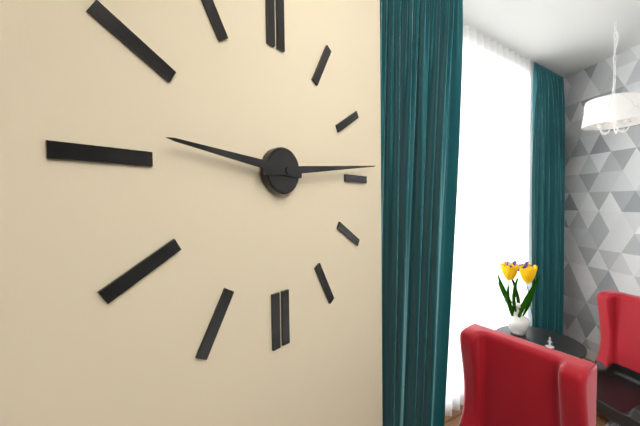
9:14
